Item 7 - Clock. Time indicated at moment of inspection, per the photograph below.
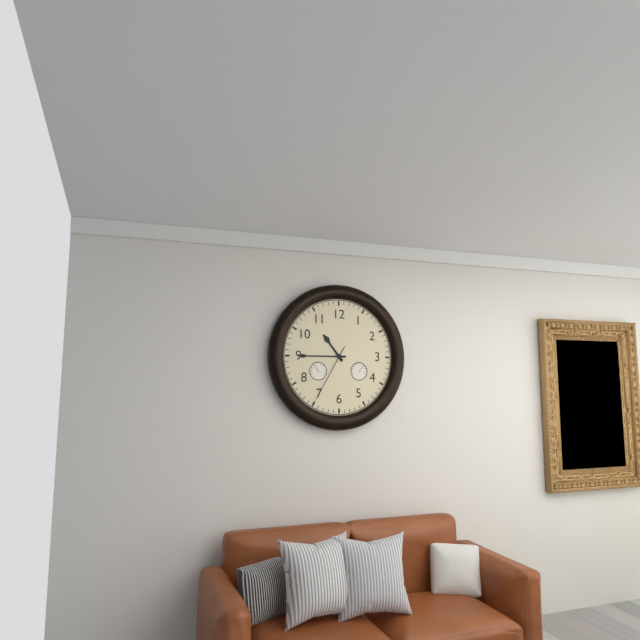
10:45:35
